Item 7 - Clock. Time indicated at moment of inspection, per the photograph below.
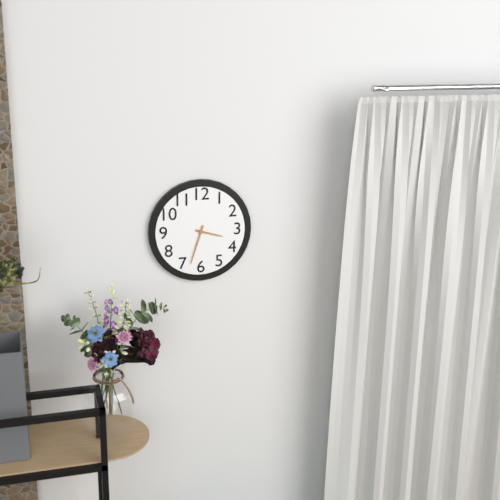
3:33
